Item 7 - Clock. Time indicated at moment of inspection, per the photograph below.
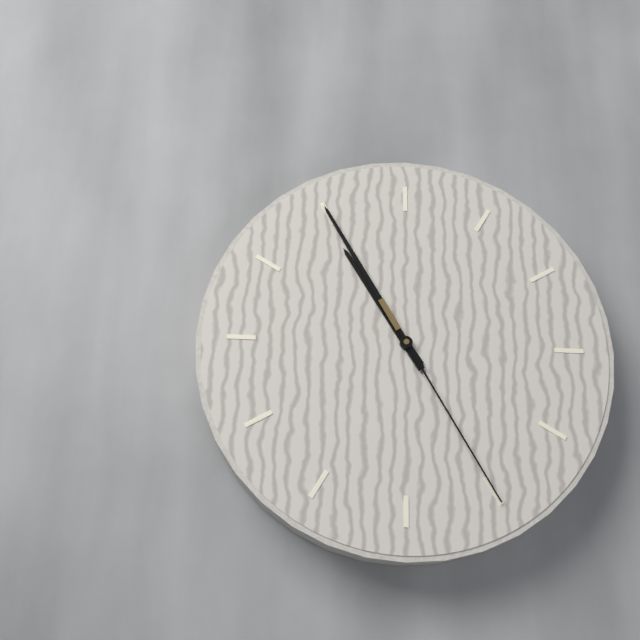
10:55:25
